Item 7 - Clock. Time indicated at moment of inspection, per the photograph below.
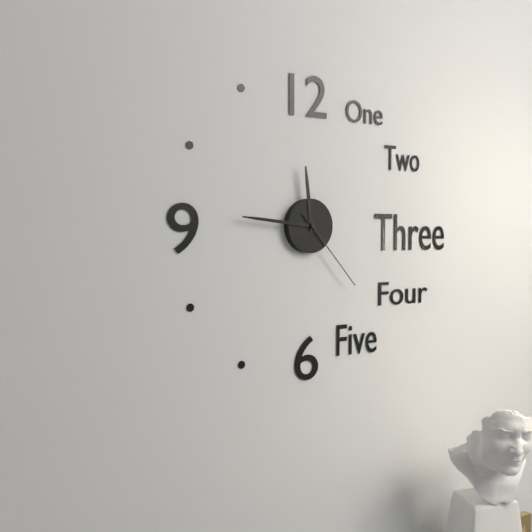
11:46:23
